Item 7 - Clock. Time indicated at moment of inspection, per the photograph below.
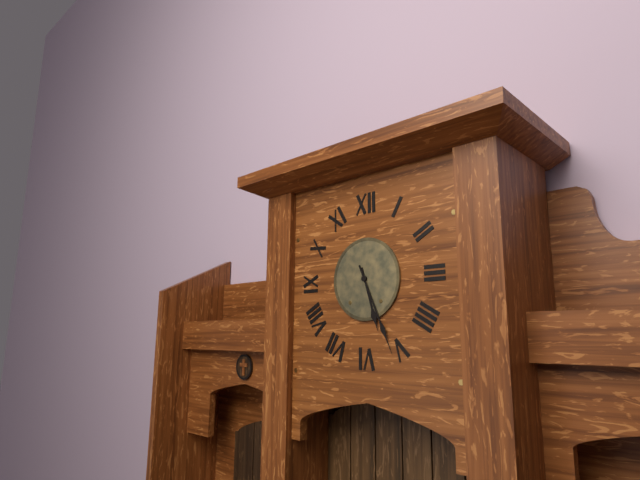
5:26
